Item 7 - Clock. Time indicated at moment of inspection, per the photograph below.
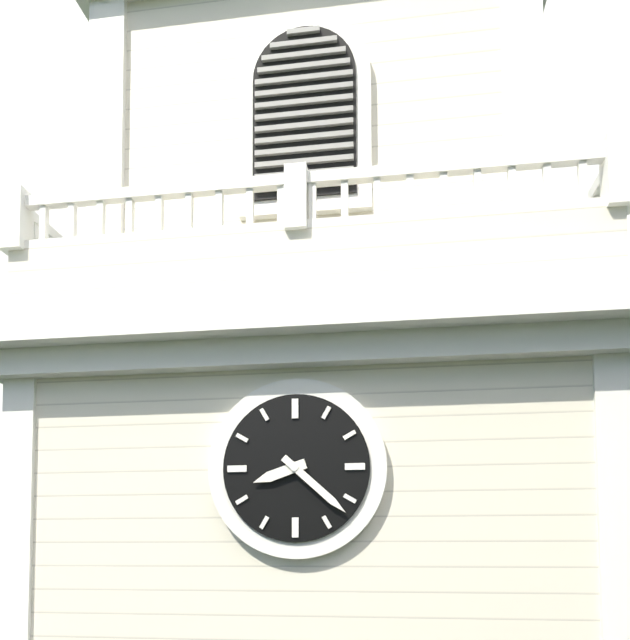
8:22
